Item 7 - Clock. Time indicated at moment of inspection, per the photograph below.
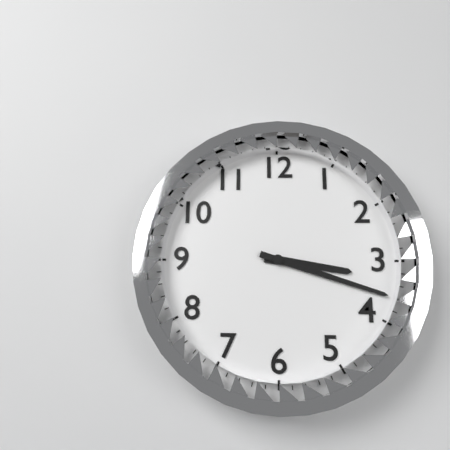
3:18
